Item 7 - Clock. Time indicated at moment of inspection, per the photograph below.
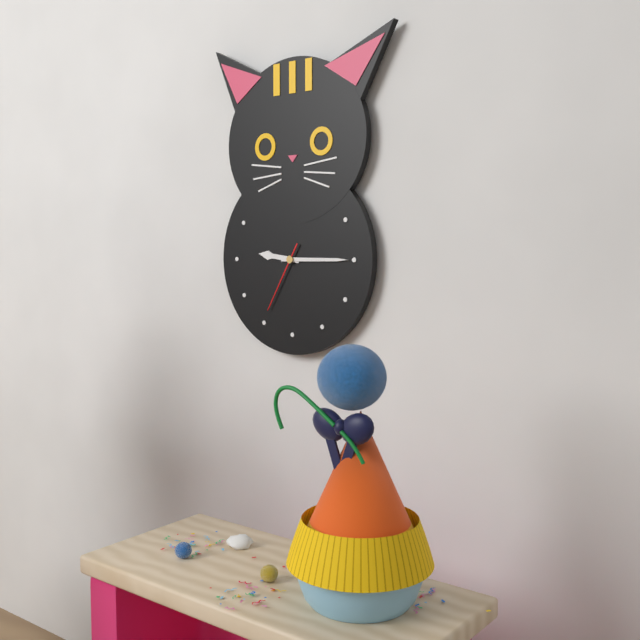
9:15:35
